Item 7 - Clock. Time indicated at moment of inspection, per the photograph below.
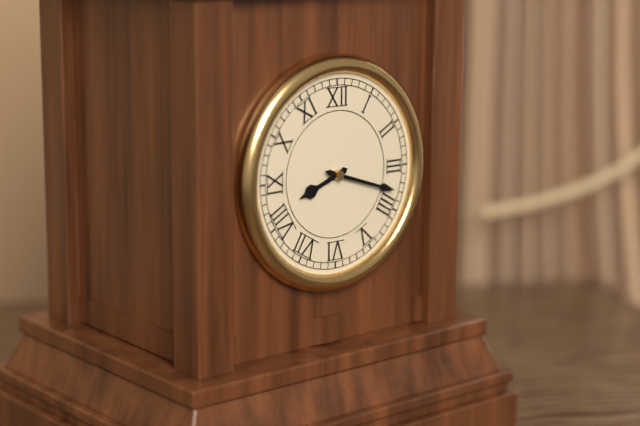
8:18
